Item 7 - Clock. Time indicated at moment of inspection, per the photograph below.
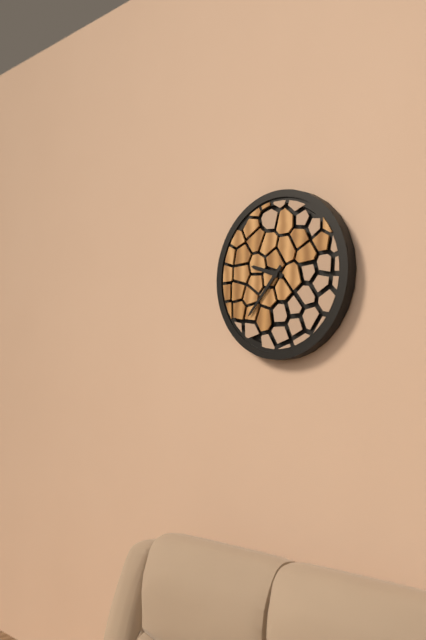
9:37
